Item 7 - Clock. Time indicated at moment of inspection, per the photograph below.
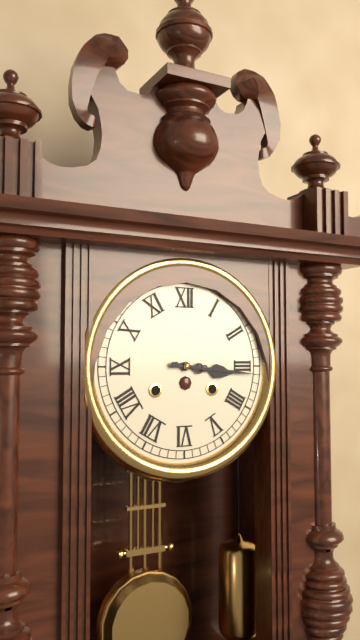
3:16
